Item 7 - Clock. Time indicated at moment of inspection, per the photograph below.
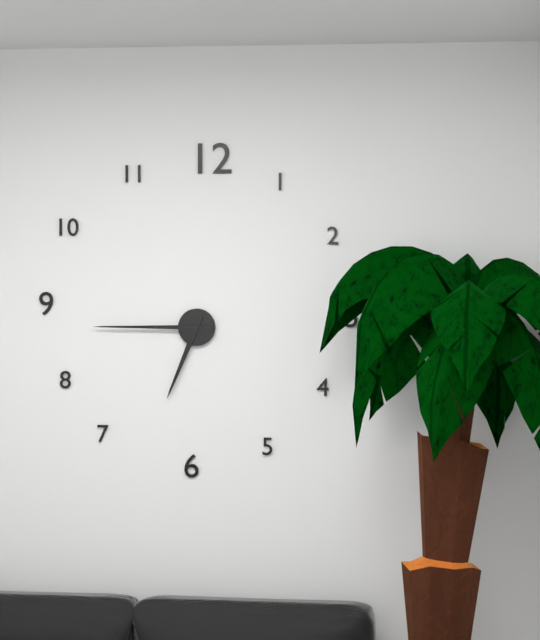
6:45
